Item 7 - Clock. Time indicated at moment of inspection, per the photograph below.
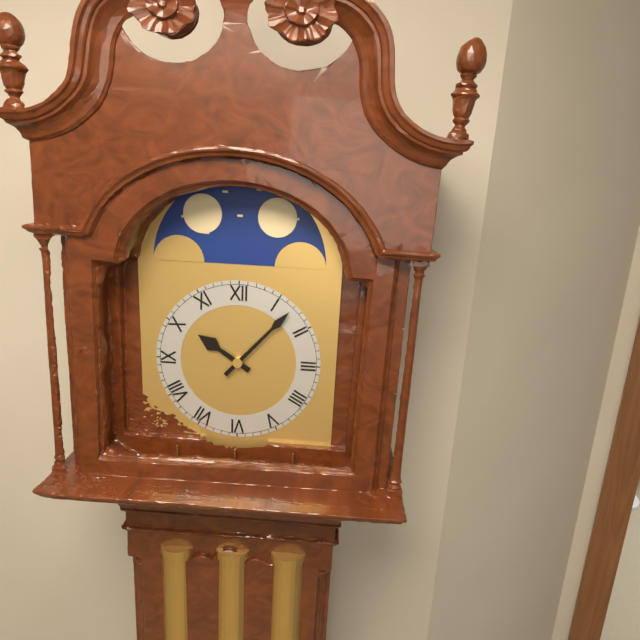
10:07
